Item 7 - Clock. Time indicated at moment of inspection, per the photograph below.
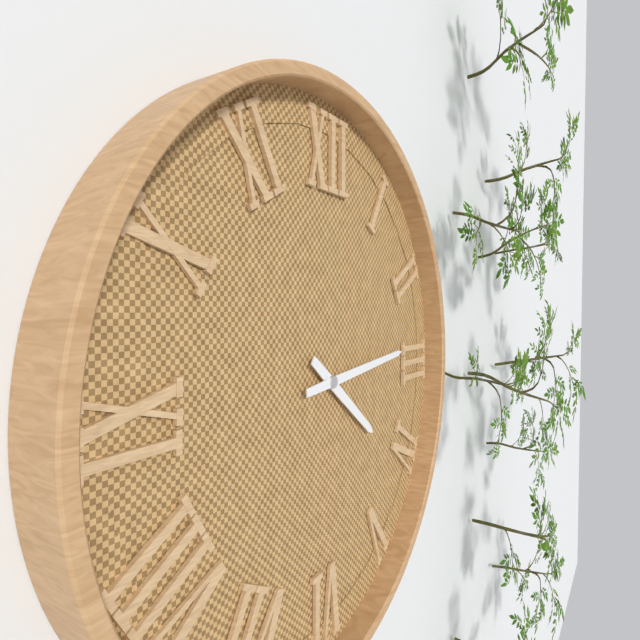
4:14
